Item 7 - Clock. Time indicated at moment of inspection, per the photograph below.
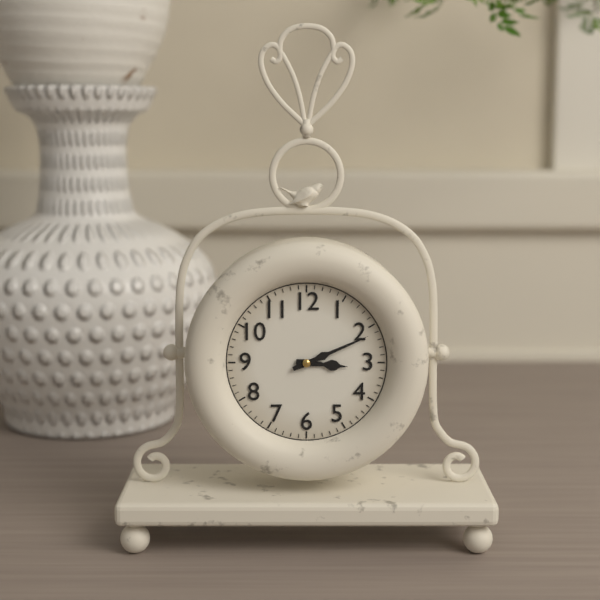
3:11
